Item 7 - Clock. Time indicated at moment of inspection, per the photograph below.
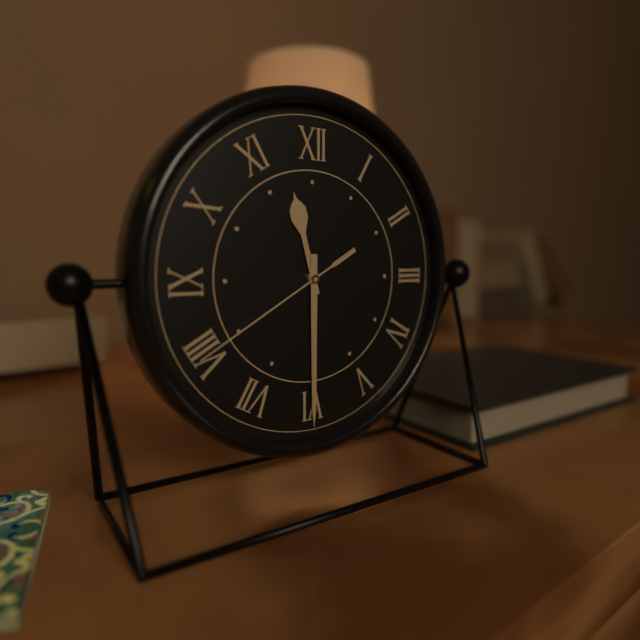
11:30:40
